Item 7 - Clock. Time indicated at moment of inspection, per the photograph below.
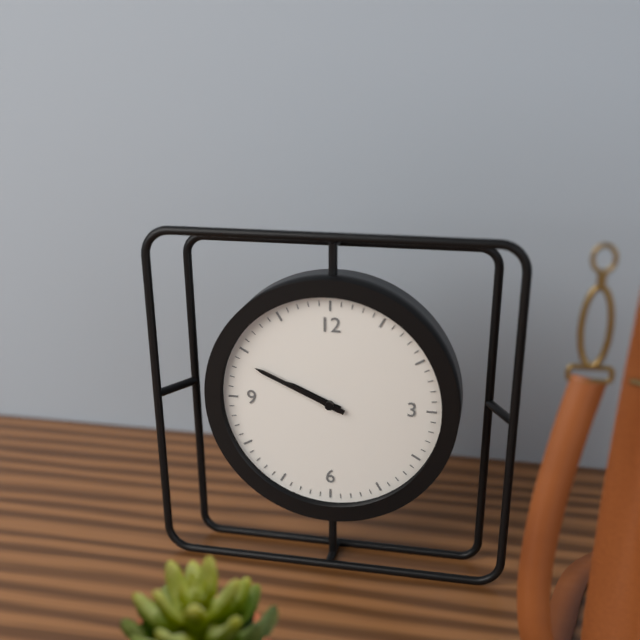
9:49
